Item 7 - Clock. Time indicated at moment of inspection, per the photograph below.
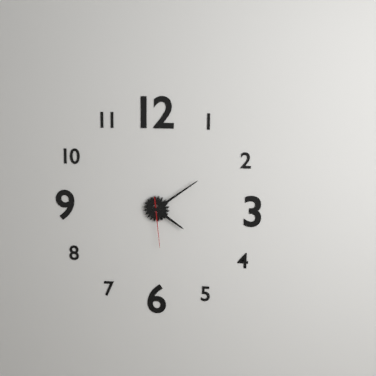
4:09
